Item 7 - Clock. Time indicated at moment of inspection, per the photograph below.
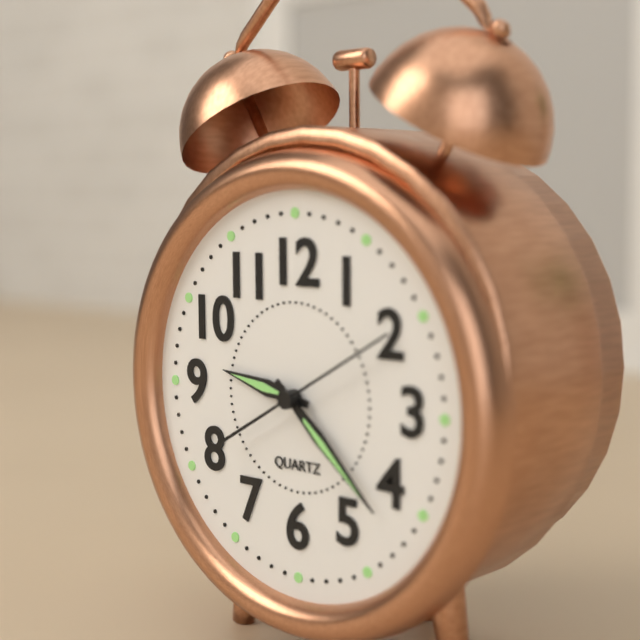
9:22:10
